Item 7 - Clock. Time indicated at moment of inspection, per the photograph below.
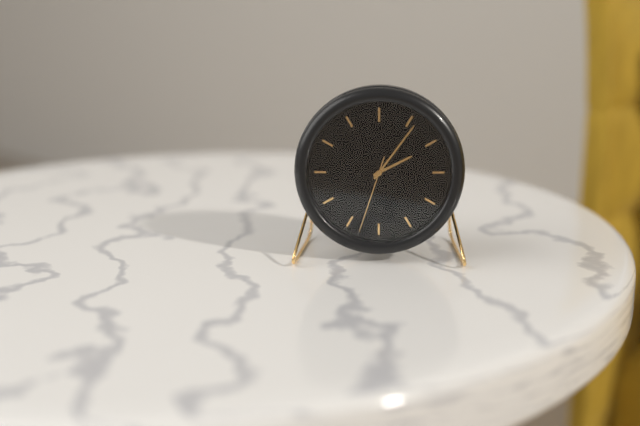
2:06:33
